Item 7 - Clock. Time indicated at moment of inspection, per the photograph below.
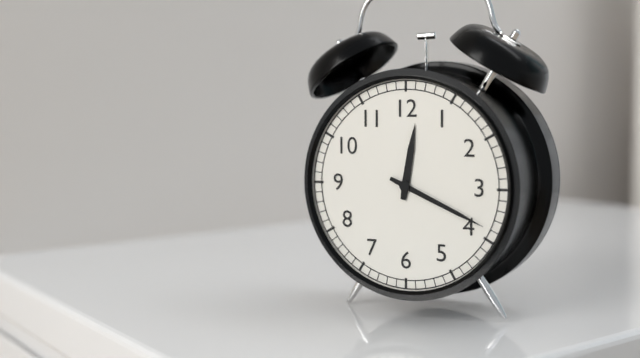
12:19
